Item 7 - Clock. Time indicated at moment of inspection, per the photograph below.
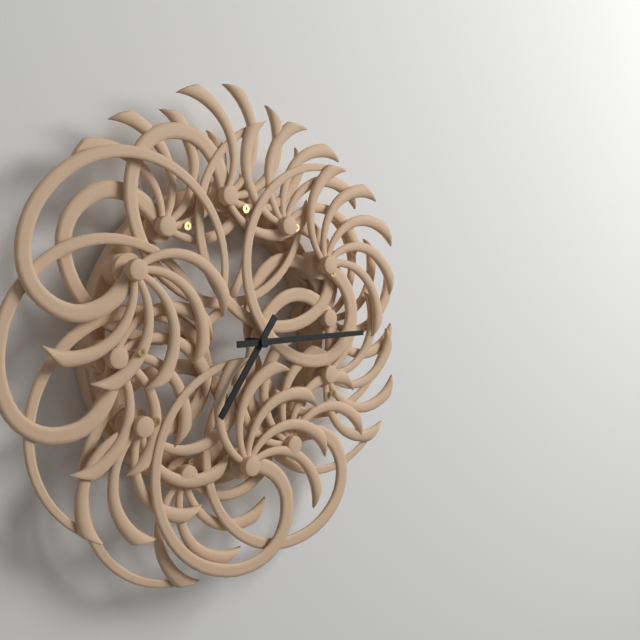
7:15
